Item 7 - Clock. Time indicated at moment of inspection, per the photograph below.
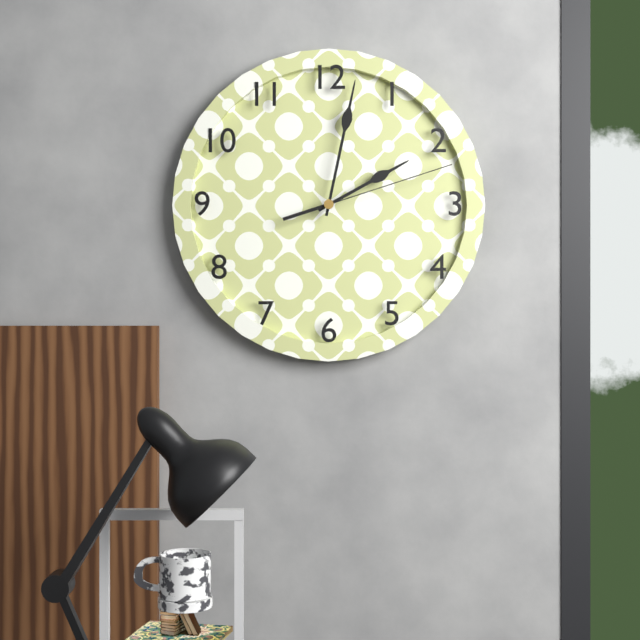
2:02:12
